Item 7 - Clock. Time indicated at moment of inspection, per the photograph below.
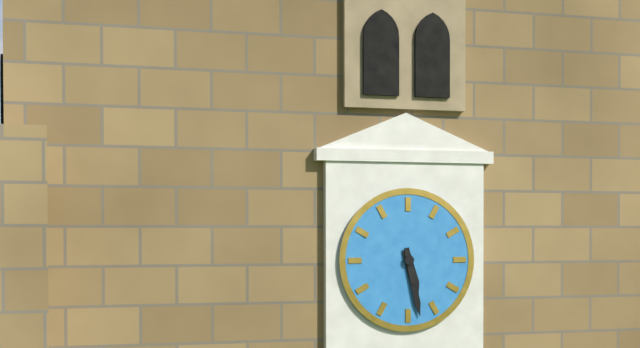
5:28
